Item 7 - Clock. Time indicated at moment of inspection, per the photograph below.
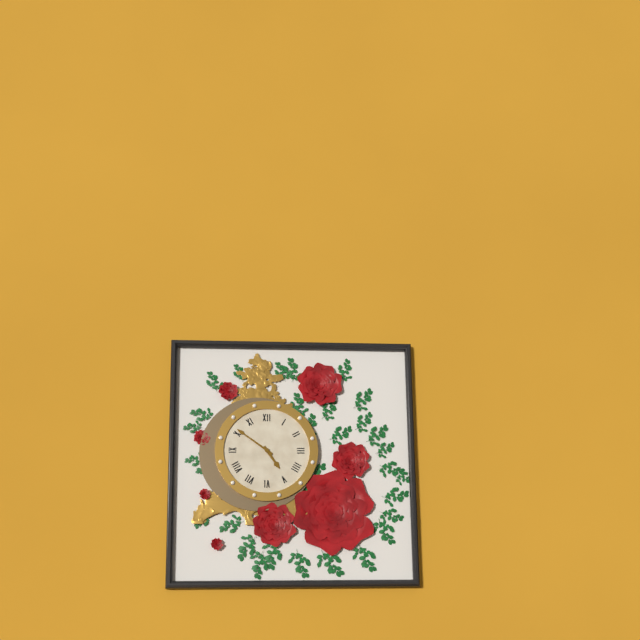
4:51
